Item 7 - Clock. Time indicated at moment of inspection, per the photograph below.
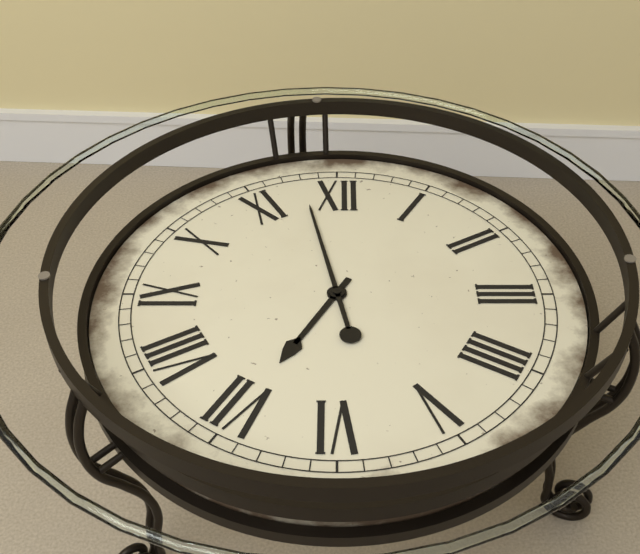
6:58
